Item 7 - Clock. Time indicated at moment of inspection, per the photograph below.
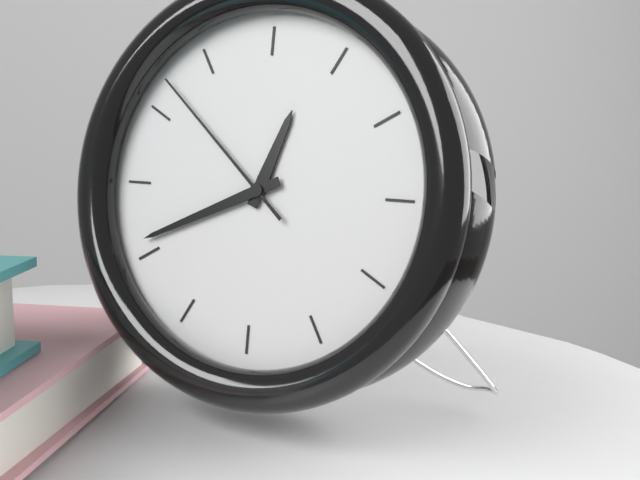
12:41:52
